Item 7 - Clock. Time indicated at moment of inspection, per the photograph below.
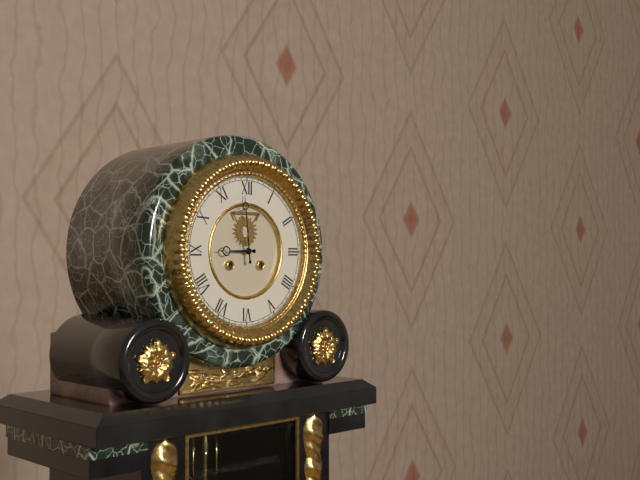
8:59
